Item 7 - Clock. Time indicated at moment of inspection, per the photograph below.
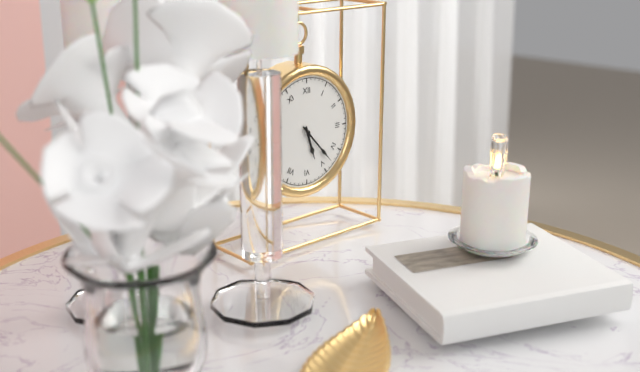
5:23
